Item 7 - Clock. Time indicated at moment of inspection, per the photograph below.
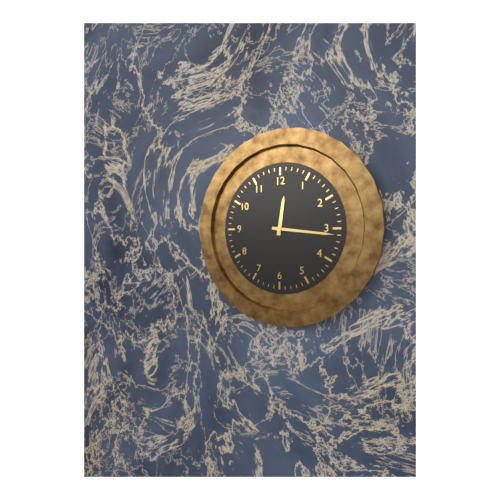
12:16
